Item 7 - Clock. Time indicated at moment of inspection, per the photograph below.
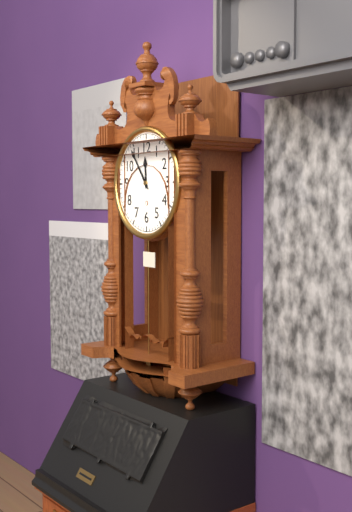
11:54
